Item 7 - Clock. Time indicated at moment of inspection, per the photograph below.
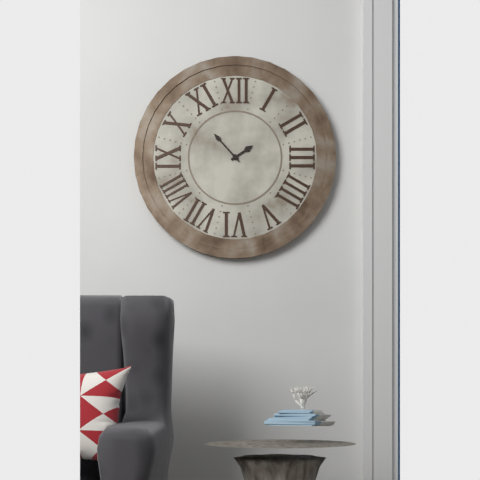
1:53
